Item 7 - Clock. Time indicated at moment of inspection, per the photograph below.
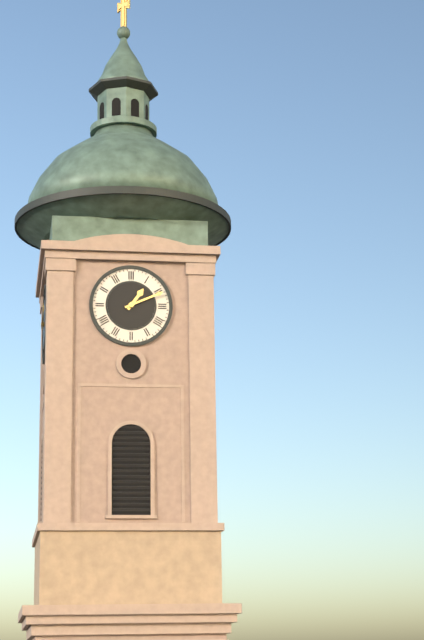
1:11
